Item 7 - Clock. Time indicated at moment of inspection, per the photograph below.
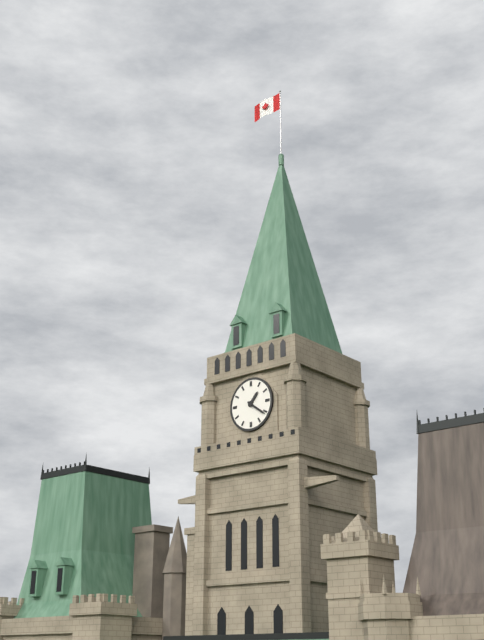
1:21
